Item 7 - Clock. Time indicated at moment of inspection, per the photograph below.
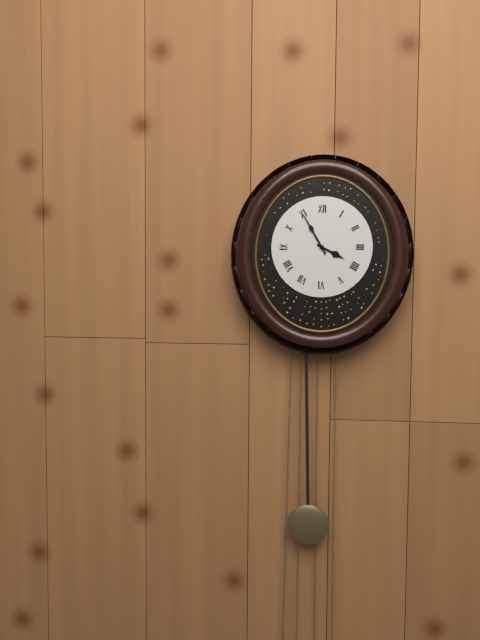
3:55
